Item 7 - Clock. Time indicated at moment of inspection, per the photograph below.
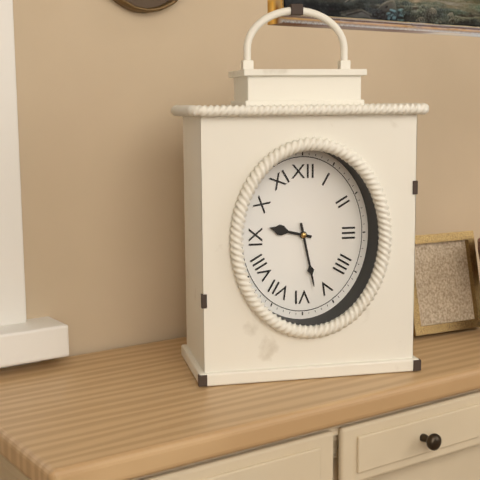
9:28
